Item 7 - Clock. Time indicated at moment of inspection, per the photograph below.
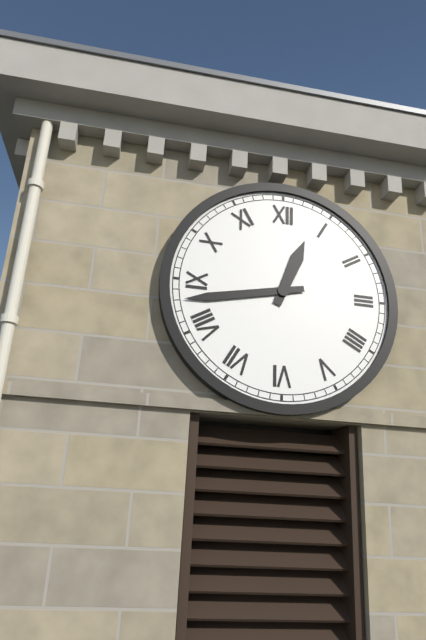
12:43
